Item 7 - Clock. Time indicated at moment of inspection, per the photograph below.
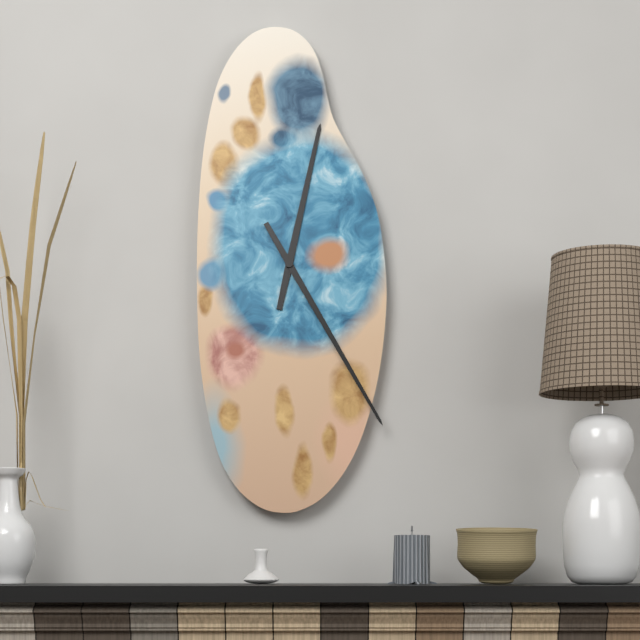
12:25
